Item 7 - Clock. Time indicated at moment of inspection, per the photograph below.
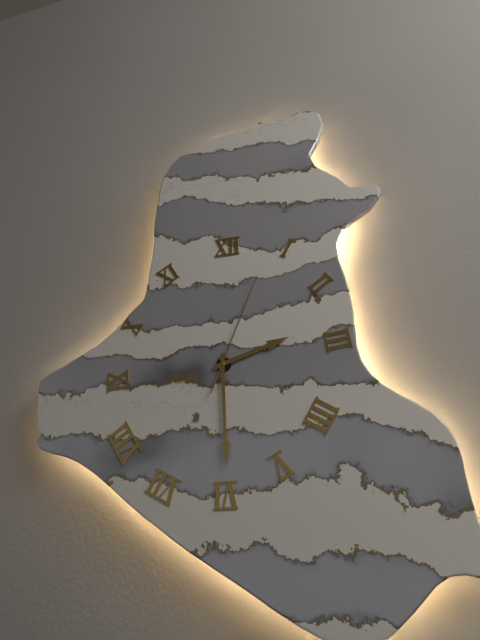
2:30:04
